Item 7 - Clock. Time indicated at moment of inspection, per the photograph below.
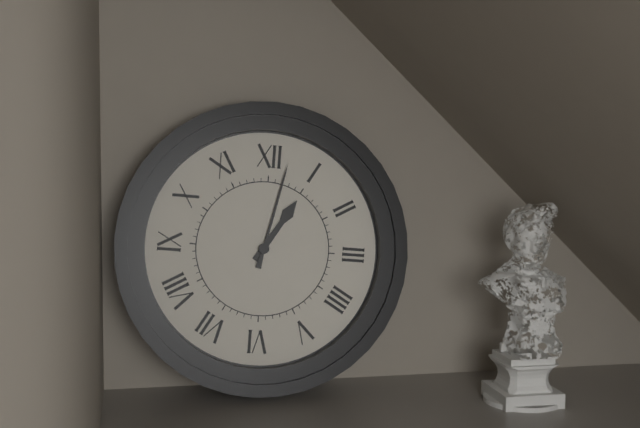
1:02
